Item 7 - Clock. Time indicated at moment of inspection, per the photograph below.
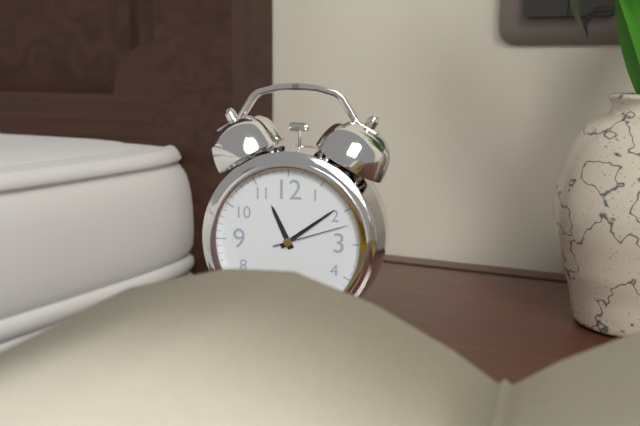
11:09:12
